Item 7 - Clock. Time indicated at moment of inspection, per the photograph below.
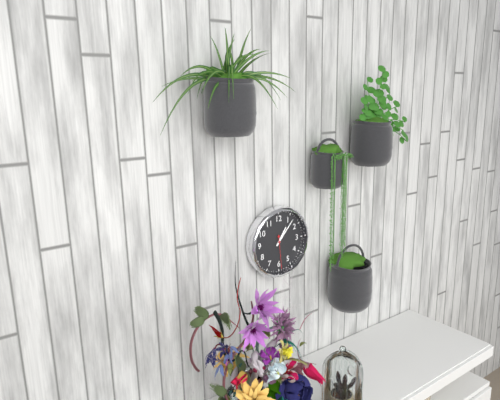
1:07
